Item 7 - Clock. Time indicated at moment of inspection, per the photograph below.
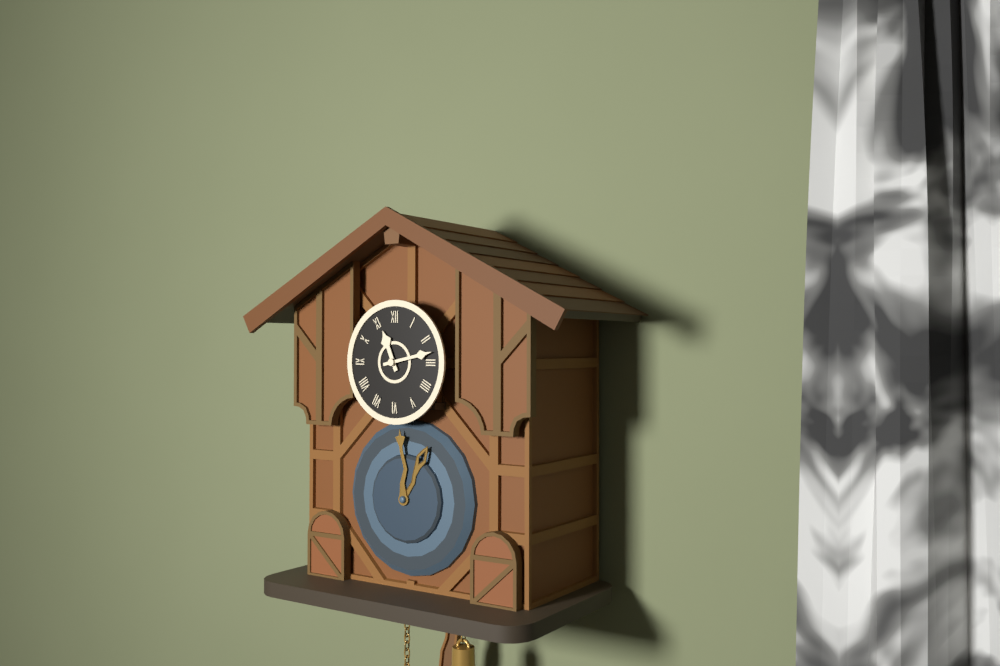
11:13
